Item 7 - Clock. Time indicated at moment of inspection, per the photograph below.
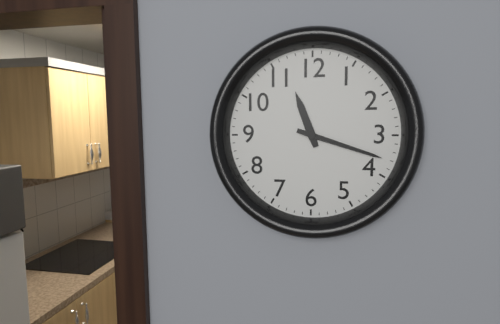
11:18
